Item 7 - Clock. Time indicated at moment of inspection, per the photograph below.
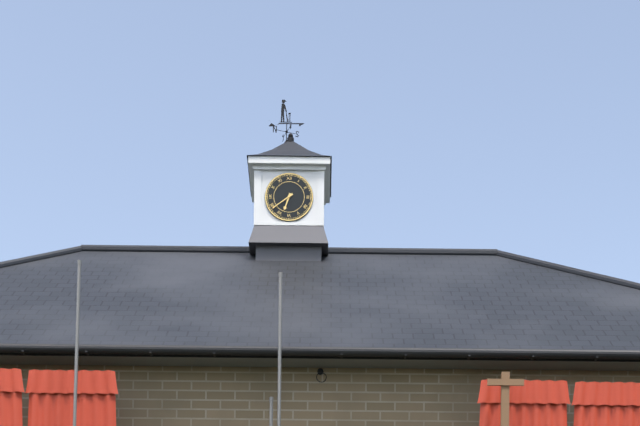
6:39
